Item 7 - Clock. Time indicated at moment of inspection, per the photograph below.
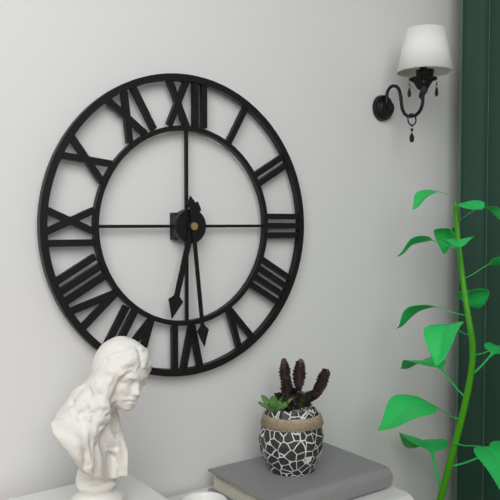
6:29
